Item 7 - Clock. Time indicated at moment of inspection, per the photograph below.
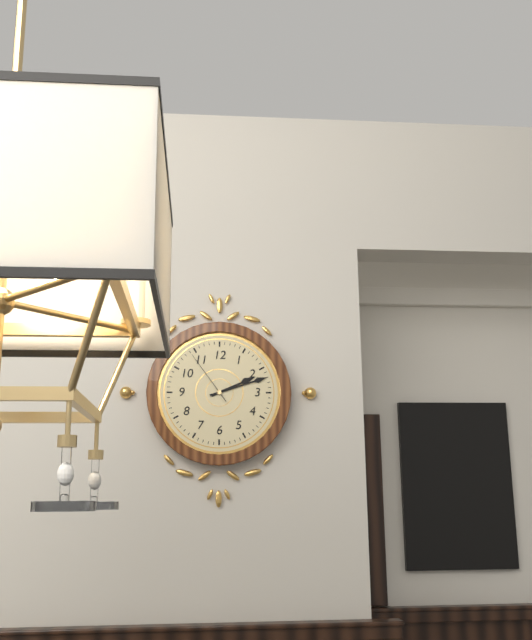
2:12:54
